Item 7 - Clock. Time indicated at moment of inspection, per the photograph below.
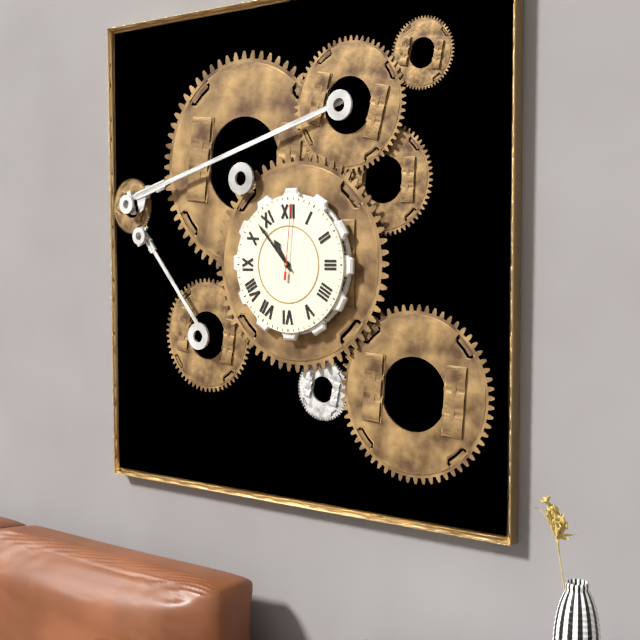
10:53:01
